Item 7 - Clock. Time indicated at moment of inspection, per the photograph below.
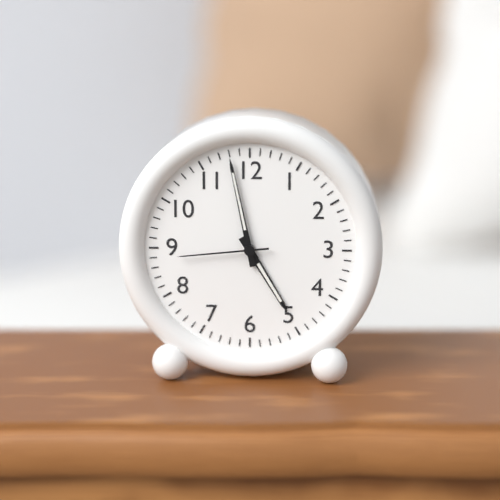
4:58:44
